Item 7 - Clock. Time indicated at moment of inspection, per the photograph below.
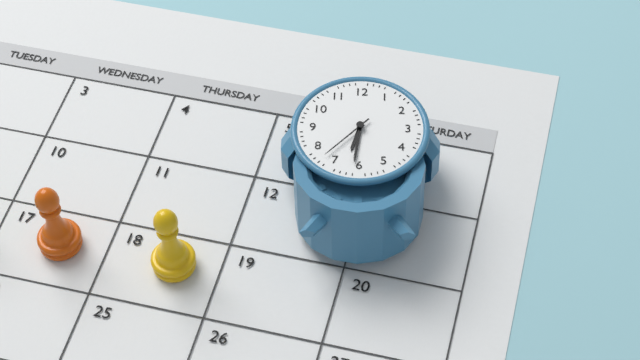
6:31:37
